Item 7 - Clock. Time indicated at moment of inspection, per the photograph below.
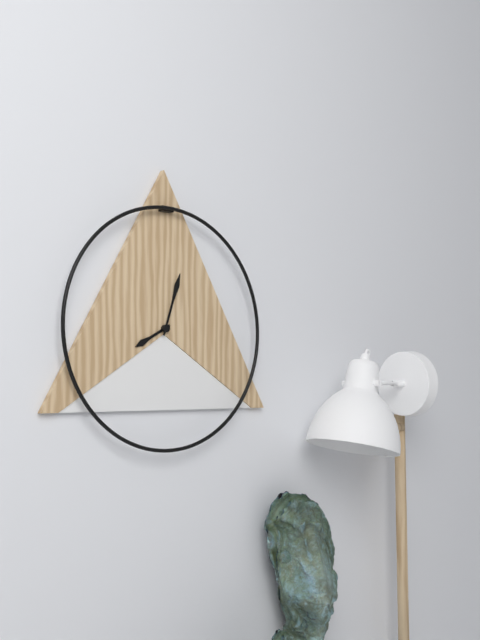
8:03
